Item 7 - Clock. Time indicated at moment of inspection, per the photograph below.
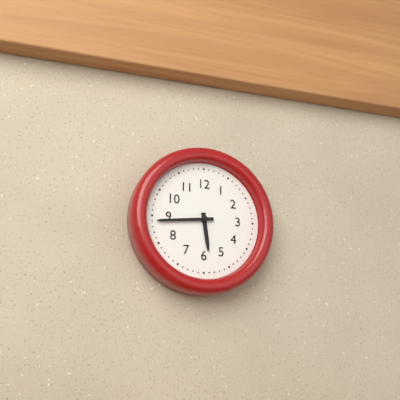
5:44
